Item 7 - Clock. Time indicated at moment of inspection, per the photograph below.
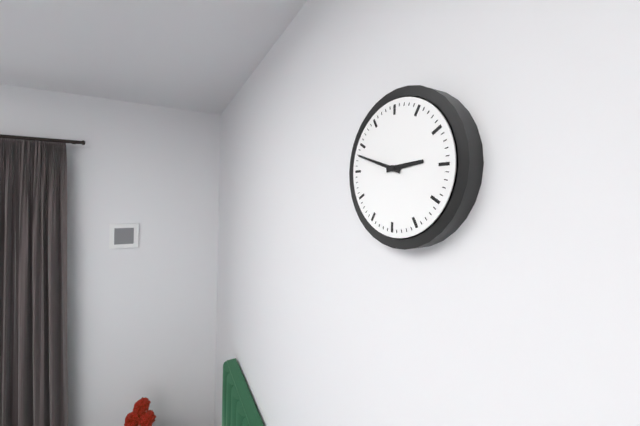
2:48
